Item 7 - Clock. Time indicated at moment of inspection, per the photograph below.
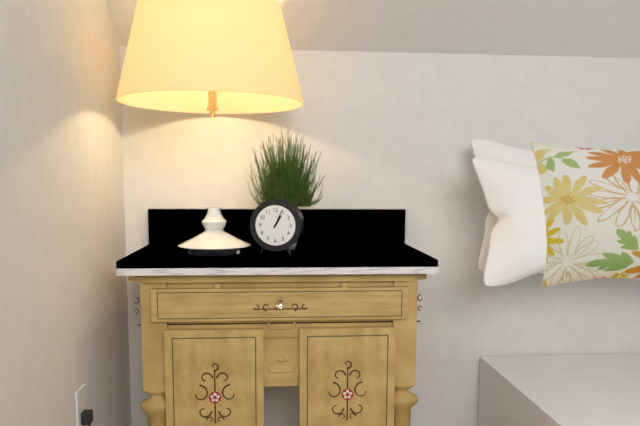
1:04
